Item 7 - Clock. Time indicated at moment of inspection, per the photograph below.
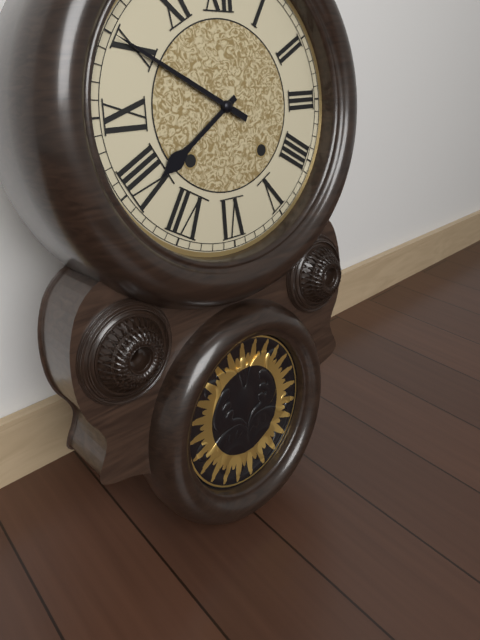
7:50
